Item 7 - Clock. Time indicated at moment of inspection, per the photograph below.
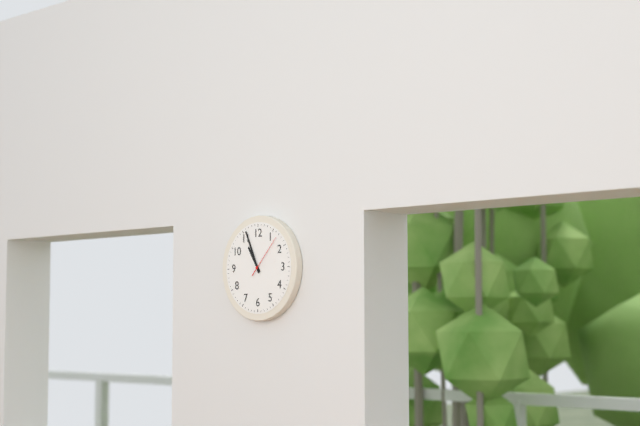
10:56
